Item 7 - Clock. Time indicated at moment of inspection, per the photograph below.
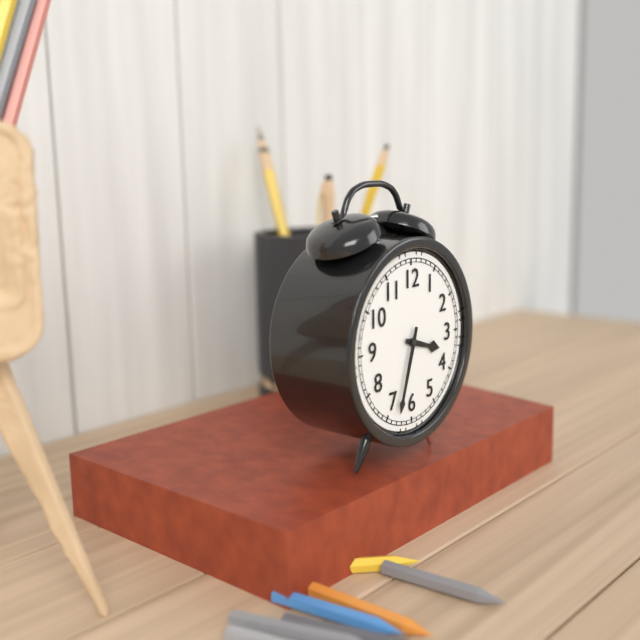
3:33
